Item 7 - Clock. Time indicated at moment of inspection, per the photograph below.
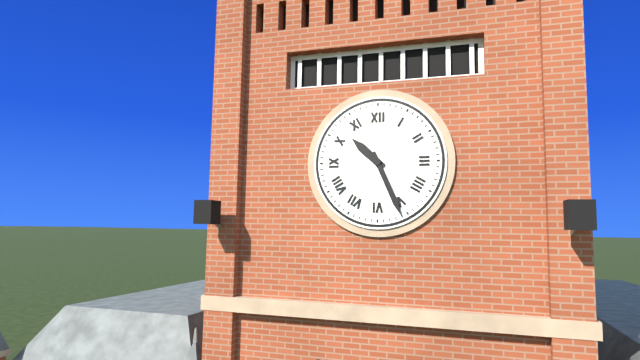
10:26
